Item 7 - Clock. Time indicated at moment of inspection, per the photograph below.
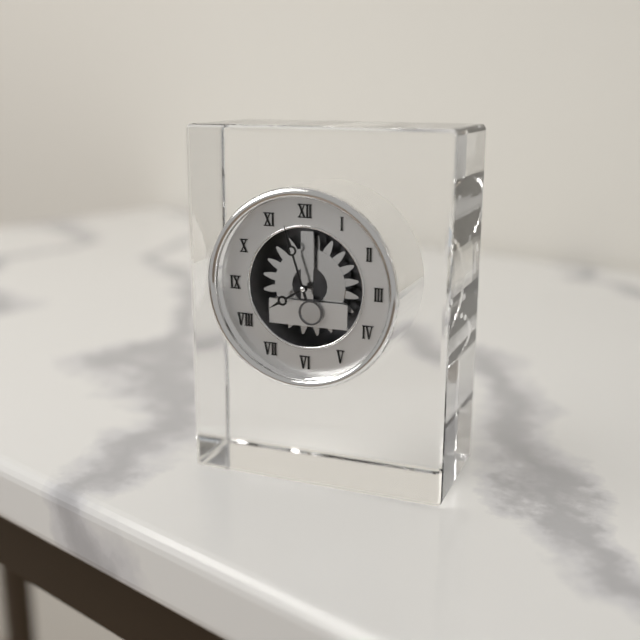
7:57
